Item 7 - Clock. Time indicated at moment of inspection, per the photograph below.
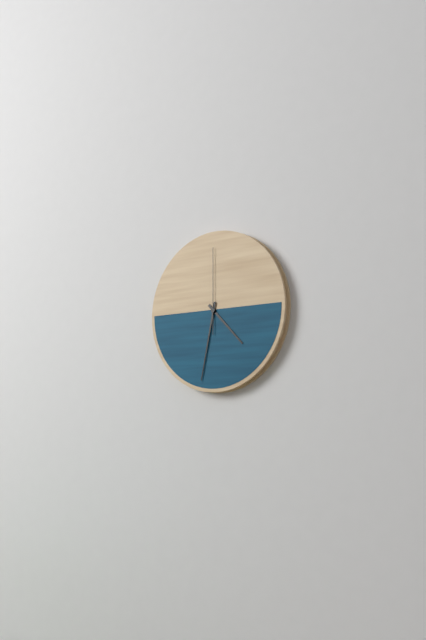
4:32:00
